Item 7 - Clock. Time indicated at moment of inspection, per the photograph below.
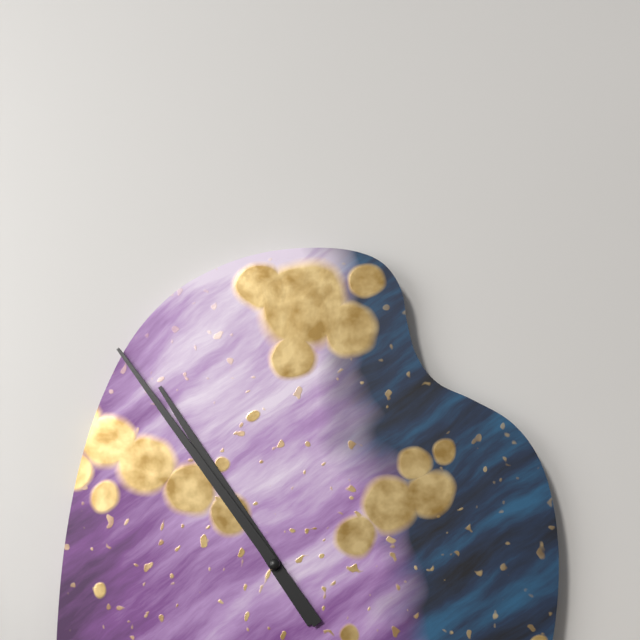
10:54
